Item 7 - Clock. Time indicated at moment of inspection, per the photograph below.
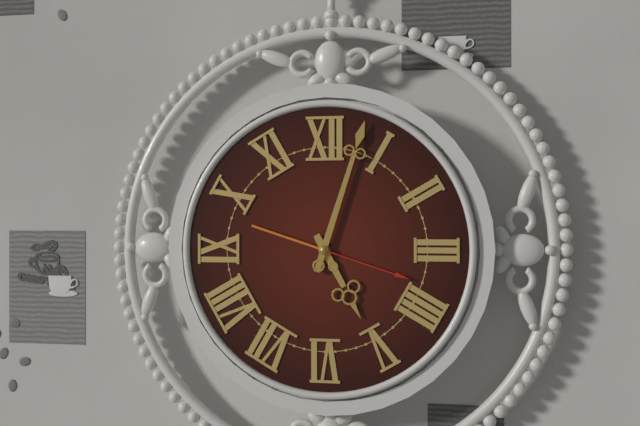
5:03:18
